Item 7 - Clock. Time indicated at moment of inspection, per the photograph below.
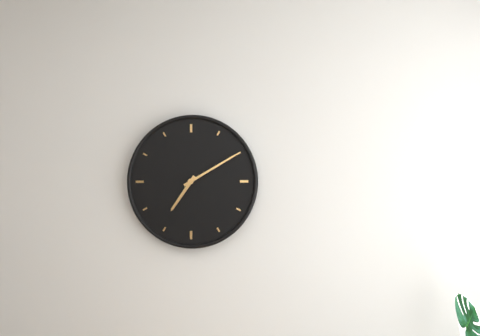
7:10
